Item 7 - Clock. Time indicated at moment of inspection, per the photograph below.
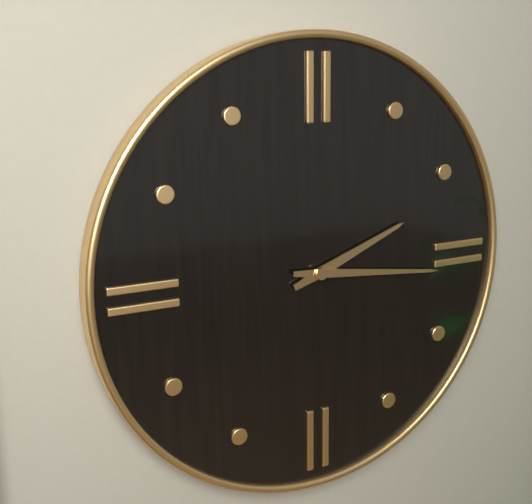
2:16
